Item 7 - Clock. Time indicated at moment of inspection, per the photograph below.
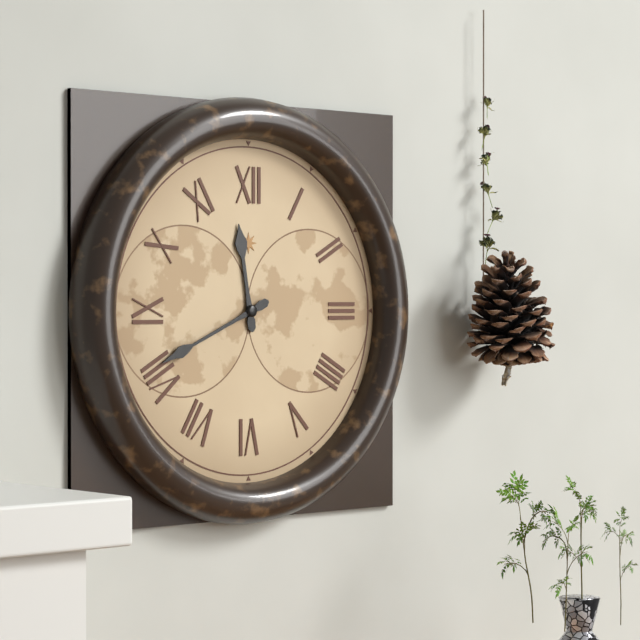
11:41
